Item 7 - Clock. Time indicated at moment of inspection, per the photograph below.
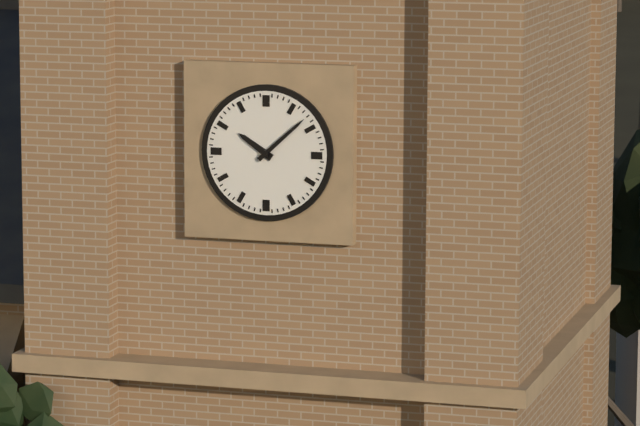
10:08
